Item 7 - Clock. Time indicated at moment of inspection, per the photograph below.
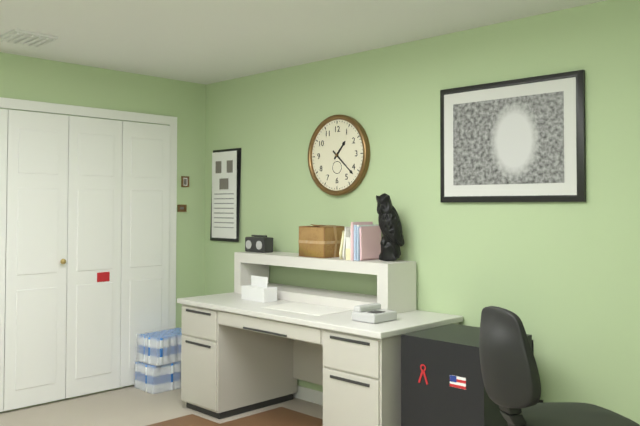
1:22
